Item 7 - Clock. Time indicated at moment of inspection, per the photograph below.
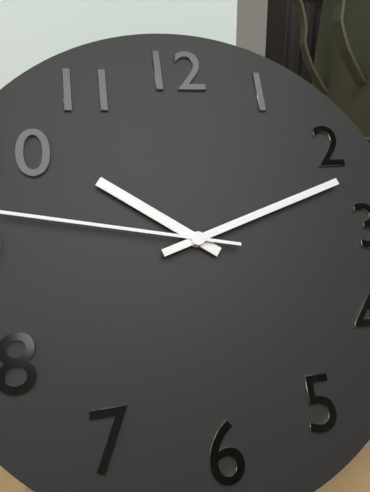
10:12
